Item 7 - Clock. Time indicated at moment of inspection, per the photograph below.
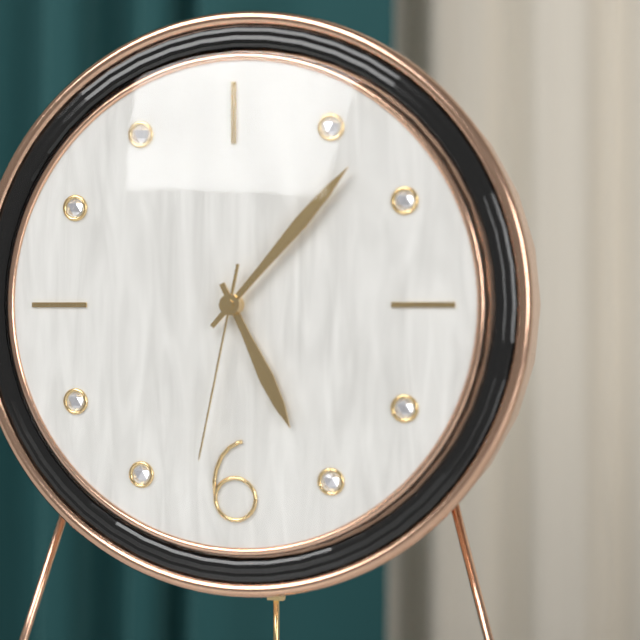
5:07:32
